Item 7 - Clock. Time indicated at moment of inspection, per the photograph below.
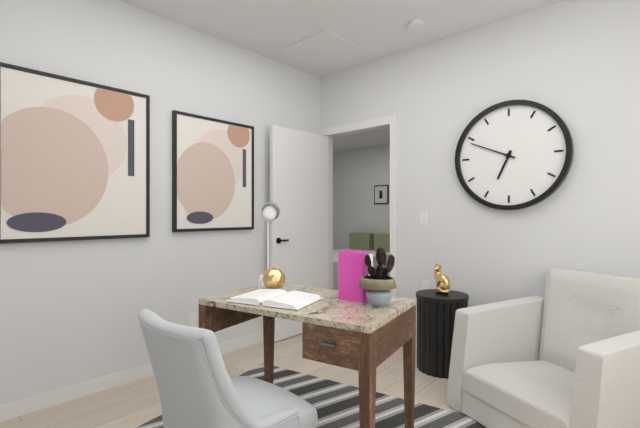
6:49
